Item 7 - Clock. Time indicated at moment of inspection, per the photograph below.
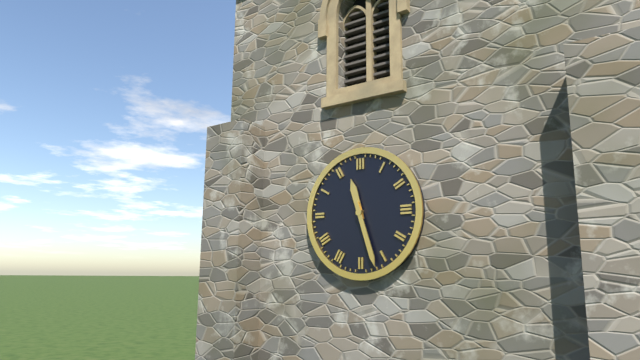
11:27
